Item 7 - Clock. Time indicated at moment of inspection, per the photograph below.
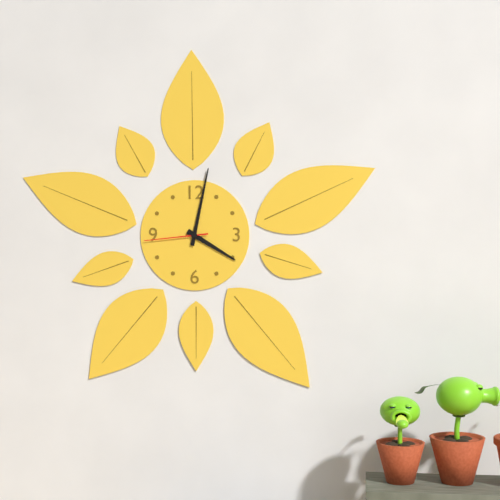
4:02:44
